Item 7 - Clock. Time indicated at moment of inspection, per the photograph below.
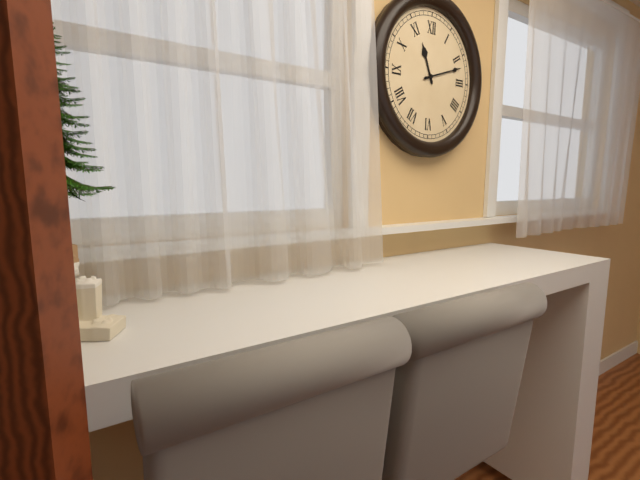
11:12
